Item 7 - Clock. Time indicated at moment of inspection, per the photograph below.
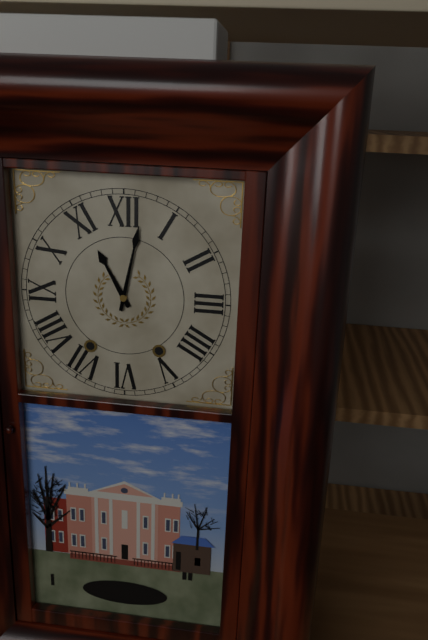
11:02
